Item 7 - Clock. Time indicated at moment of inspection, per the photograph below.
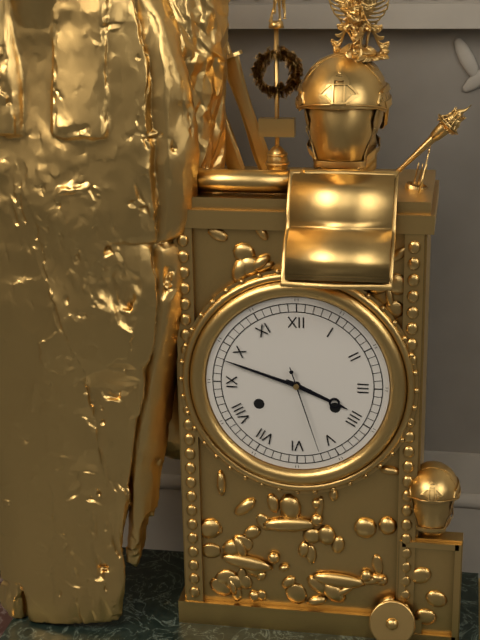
3:48:27
